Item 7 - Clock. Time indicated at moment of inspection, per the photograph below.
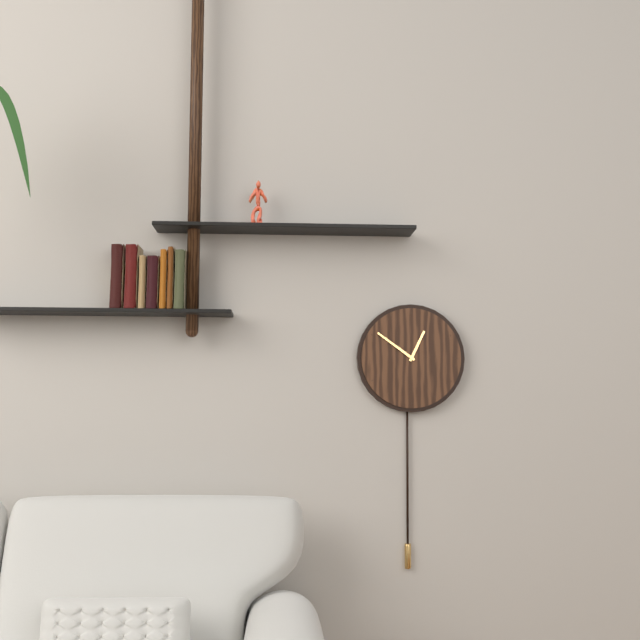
12:51
